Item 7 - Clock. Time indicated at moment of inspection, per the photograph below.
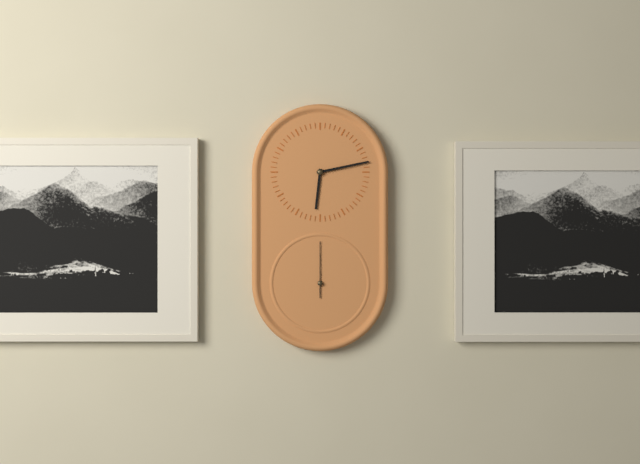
6:13:00
